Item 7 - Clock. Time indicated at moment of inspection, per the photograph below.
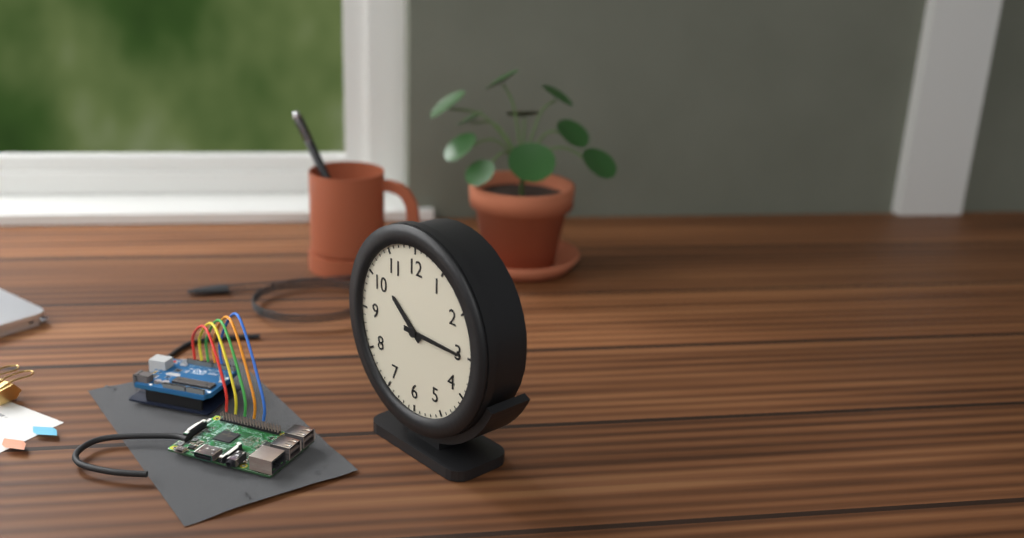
10:15
